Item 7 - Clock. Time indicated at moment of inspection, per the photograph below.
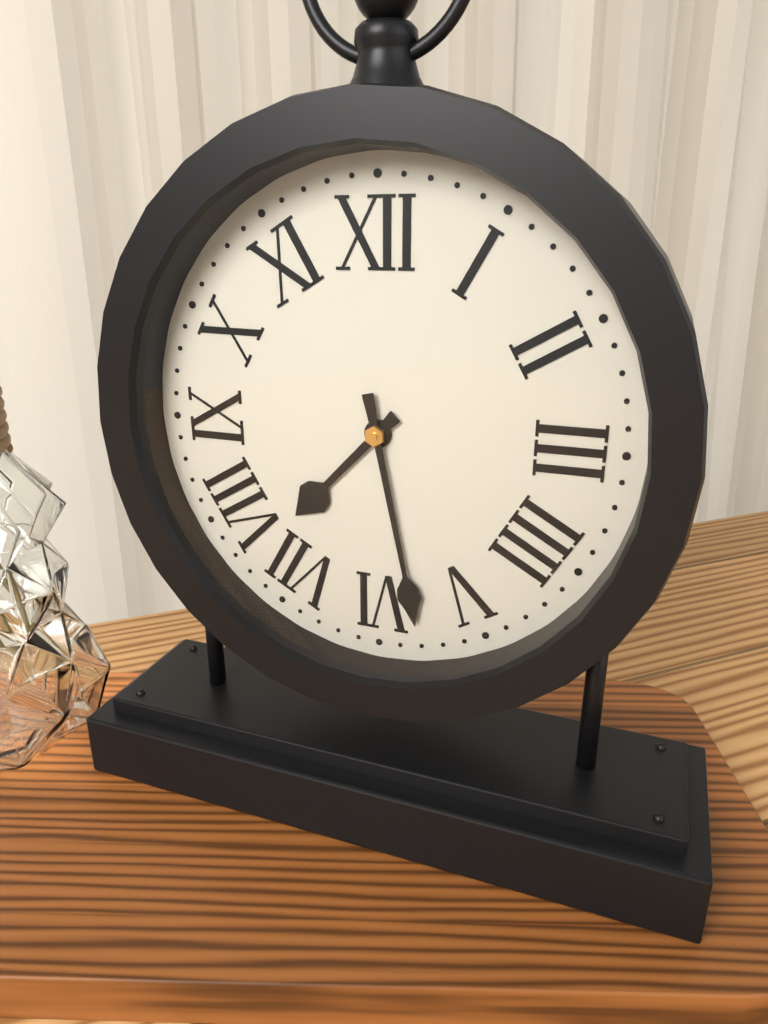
7:28
